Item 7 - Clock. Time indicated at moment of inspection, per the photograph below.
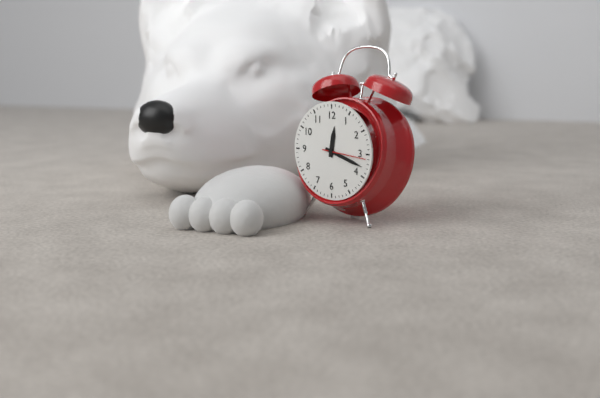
12:18
